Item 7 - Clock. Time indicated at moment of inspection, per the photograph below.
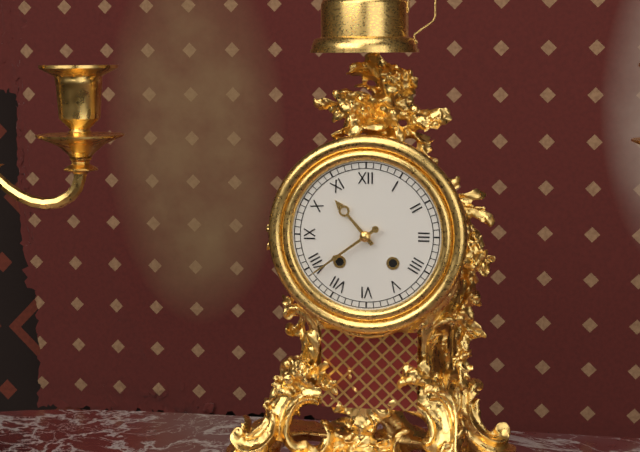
10:39
